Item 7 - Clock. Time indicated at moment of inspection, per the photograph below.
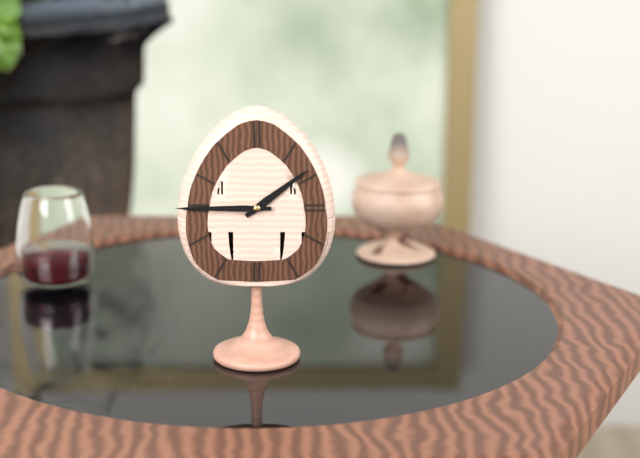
1:45
